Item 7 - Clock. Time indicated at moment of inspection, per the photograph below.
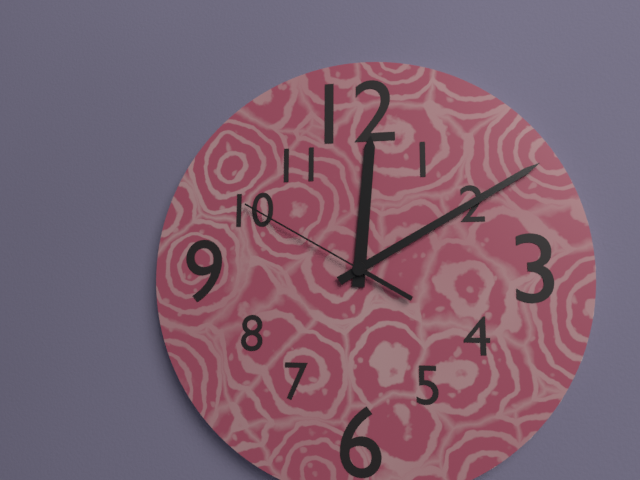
12:10:50
